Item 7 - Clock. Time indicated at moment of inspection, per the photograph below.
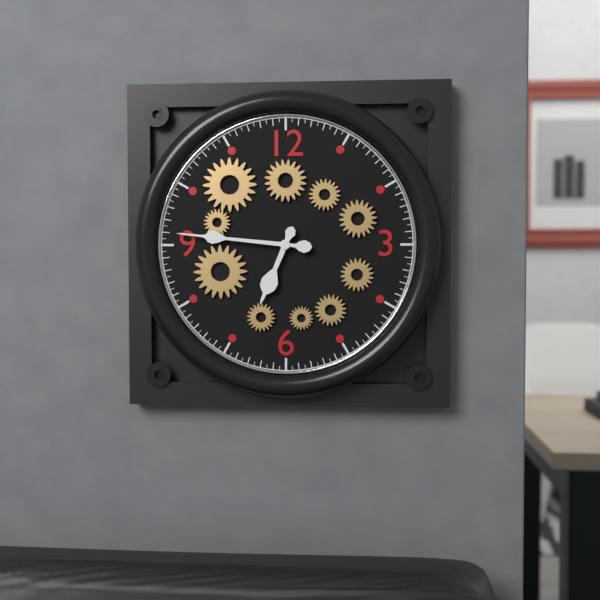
6:46
